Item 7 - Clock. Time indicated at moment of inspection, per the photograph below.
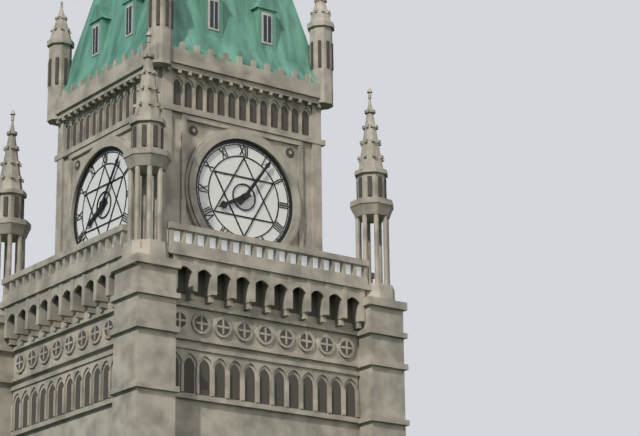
8:06
